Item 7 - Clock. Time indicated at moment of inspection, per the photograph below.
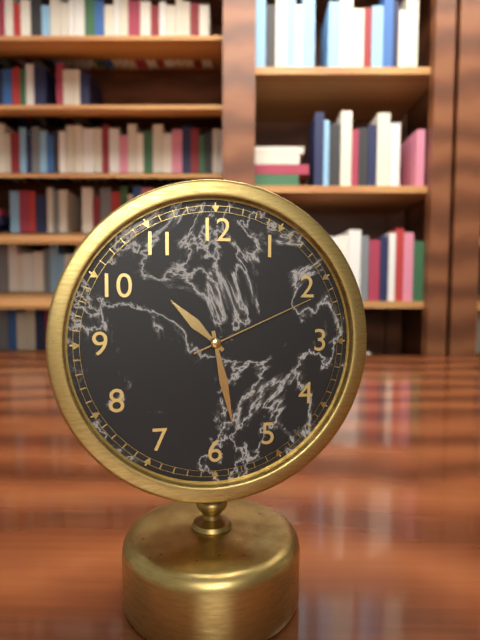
10:28:11
